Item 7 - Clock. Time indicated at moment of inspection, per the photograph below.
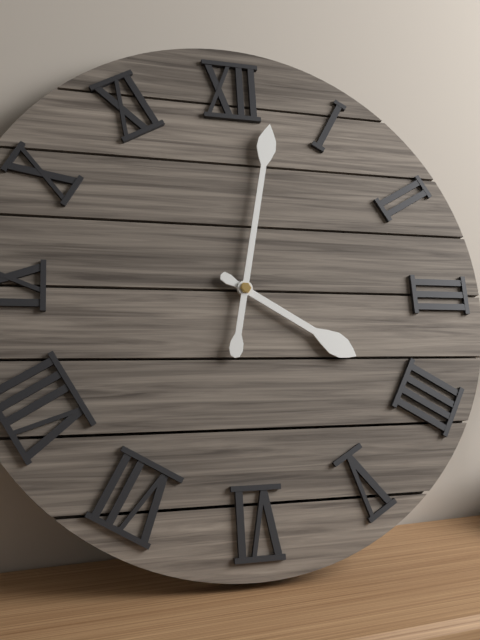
4:02
